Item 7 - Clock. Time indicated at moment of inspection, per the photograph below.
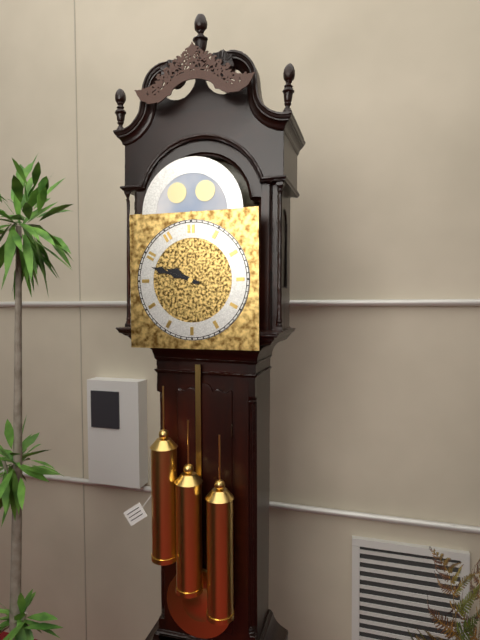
9:48
